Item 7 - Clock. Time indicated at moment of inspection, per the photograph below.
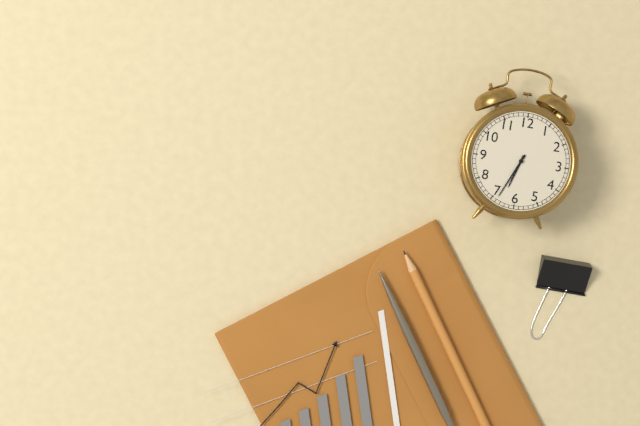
6:34
